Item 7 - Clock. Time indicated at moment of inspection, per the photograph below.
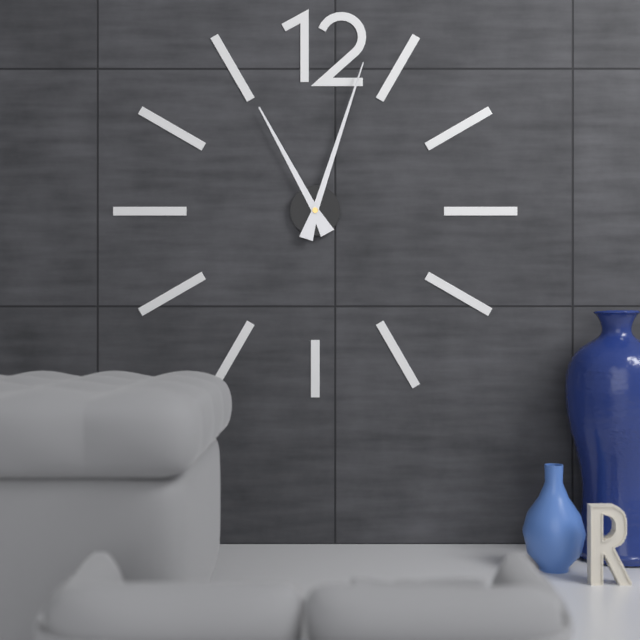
11:03
